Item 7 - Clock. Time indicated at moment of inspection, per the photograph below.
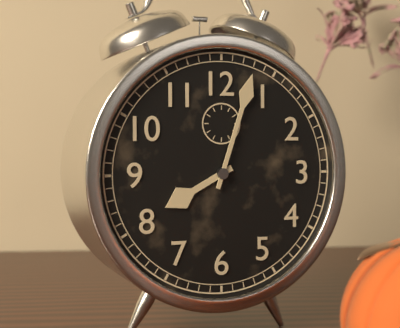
8:03
